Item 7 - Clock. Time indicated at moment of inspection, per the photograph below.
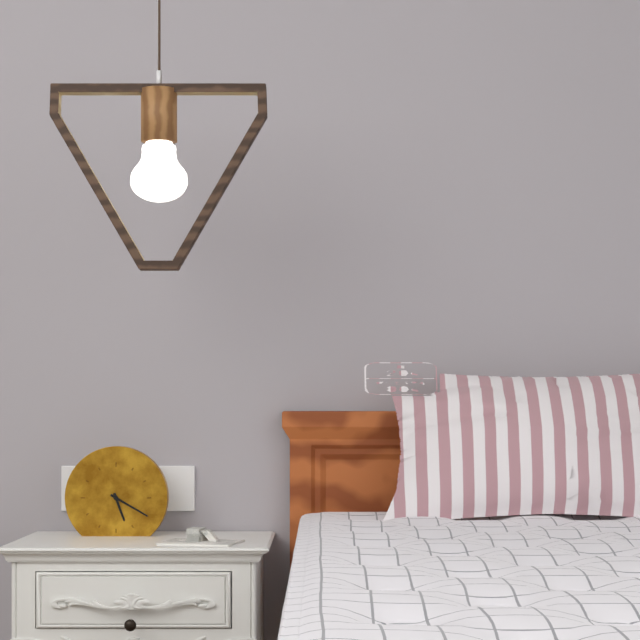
5:20
